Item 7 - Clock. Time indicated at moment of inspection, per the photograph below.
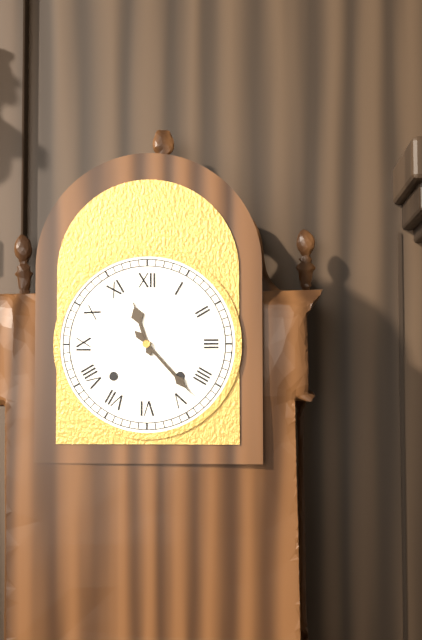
11:23
